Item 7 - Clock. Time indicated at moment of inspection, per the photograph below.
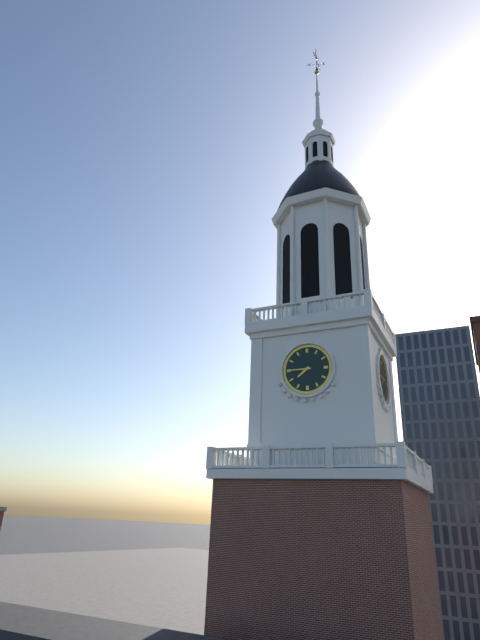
7:45
